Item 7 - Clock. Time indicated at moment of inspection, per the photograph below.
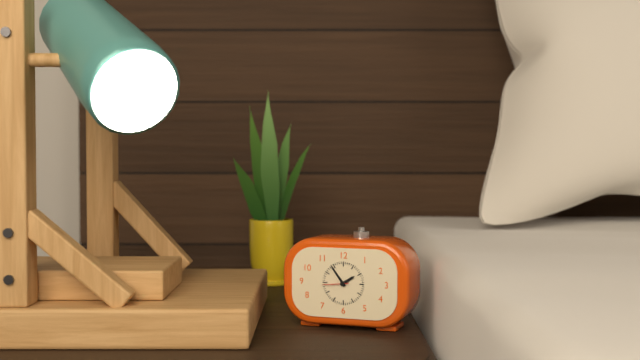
1:54
